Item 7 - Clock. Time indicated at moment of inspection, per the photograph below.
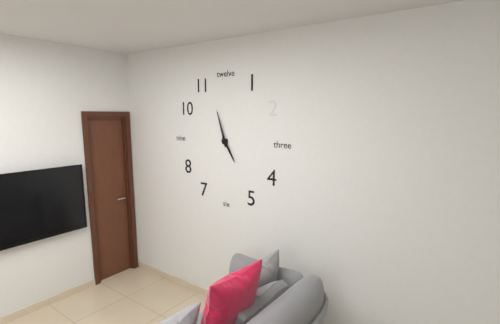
4:57
